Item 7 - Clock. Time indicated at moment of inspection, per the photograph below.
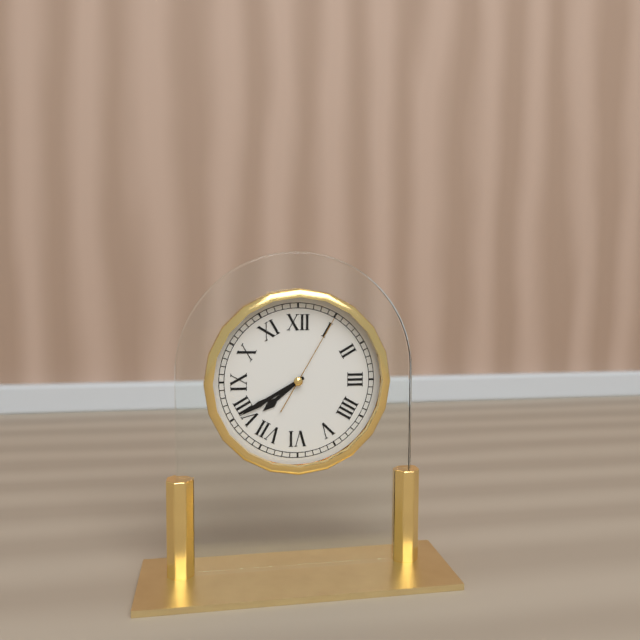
7:40:05
